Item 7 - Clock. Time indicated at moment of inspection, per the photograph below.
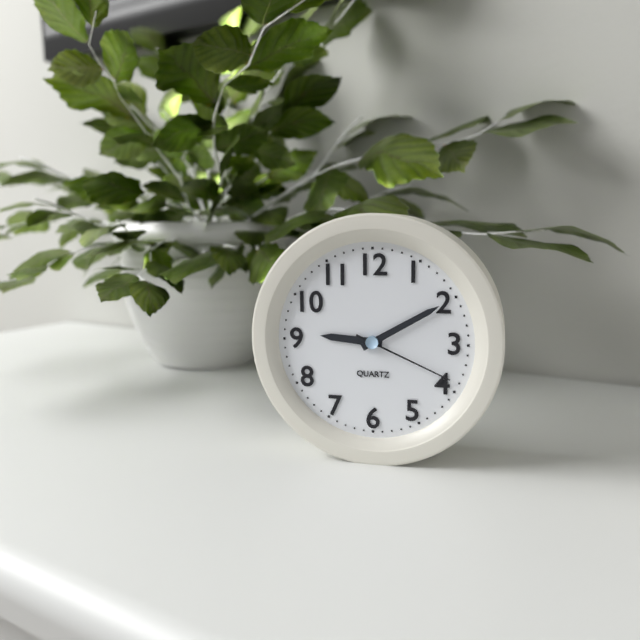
9:10:19
